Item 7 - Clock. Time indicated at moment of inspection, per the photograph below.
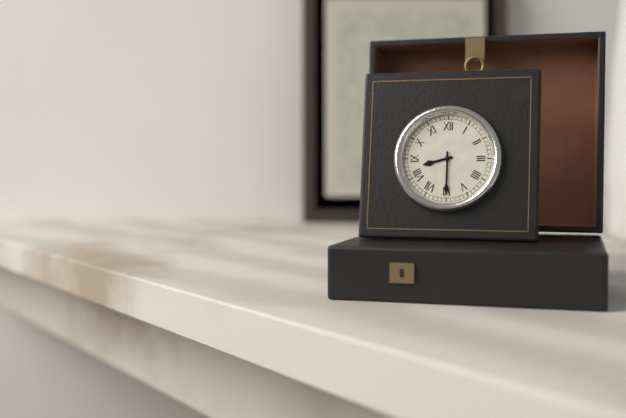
8:30
